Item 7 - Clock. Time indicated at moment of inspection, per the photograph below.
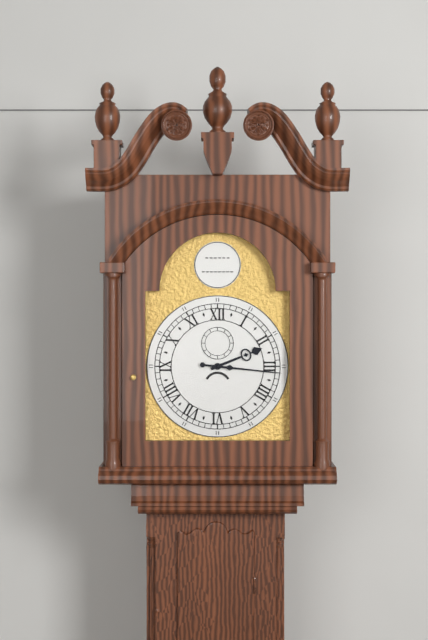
2:16
